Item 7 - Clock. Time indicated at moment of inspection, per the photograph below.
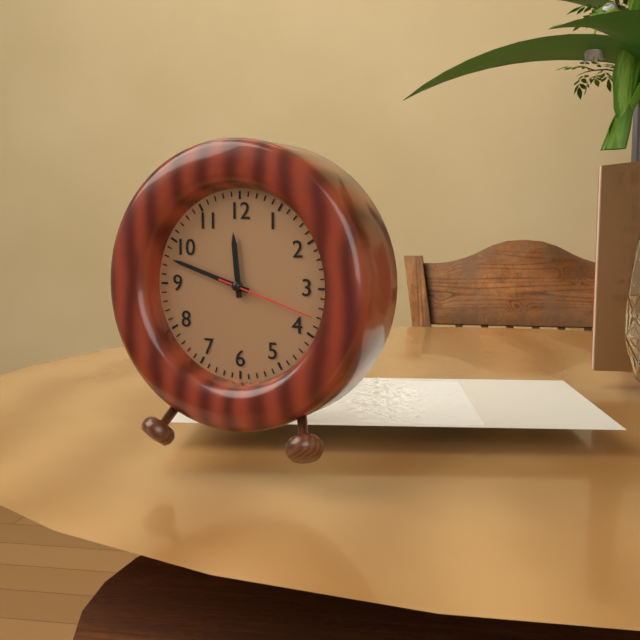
11:48:18
